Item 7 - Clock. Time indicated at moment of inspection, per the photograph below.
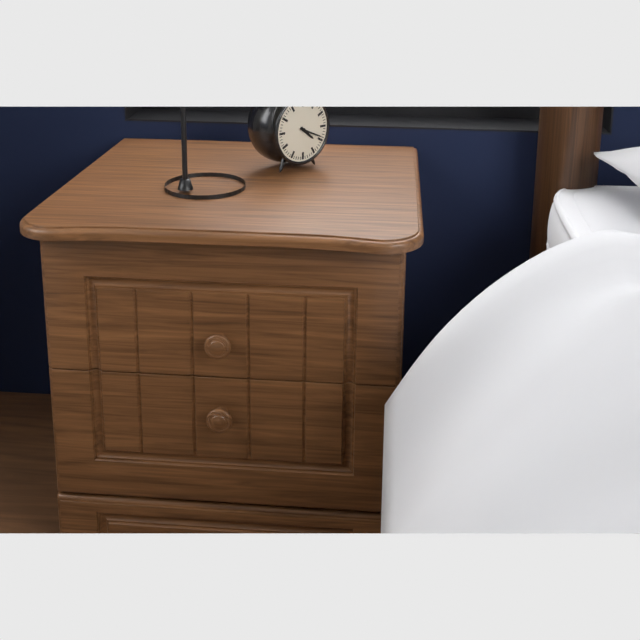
4:19
